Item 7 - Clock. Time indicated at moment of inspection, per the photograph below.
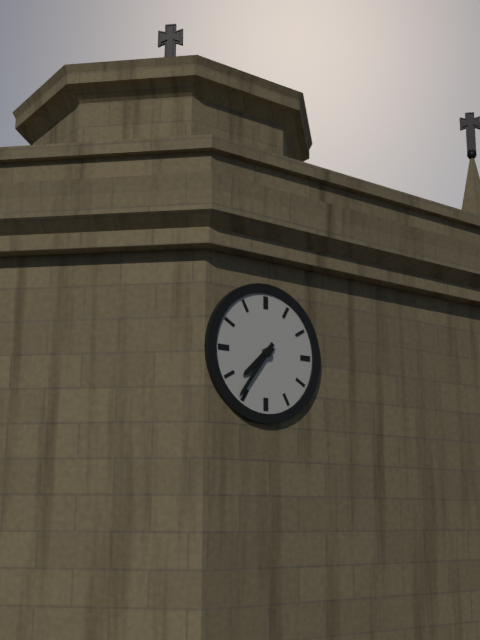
7:36
